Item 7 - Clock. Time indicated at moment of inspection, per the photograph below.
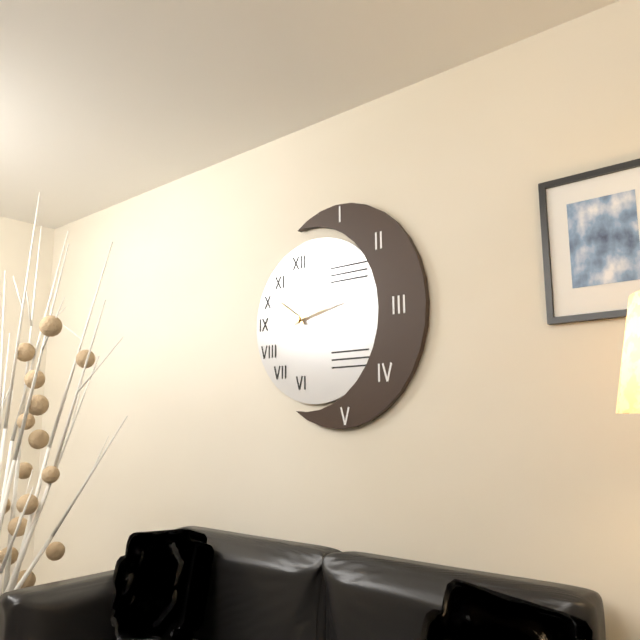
10:13:12
